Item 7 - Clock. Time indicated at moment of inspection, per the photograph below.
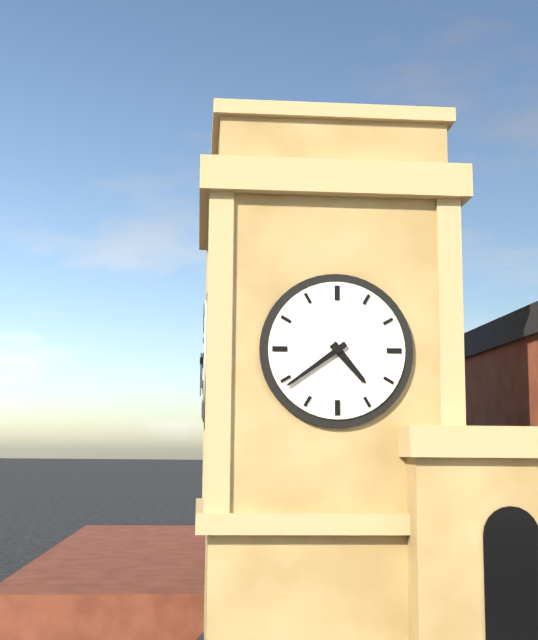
4:39
